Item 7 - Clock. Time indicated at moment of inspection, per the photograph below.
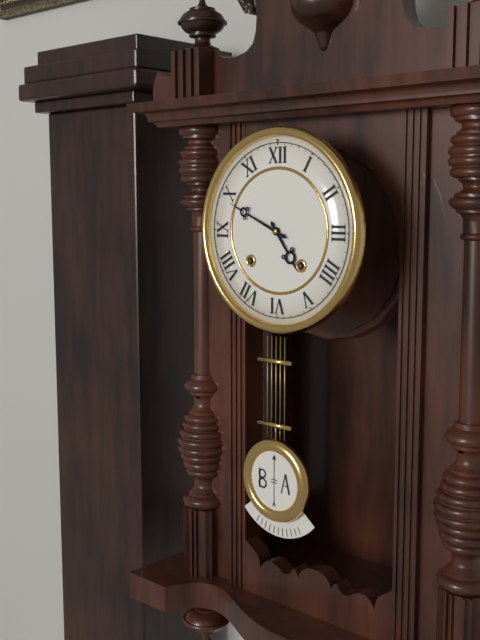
4:49
